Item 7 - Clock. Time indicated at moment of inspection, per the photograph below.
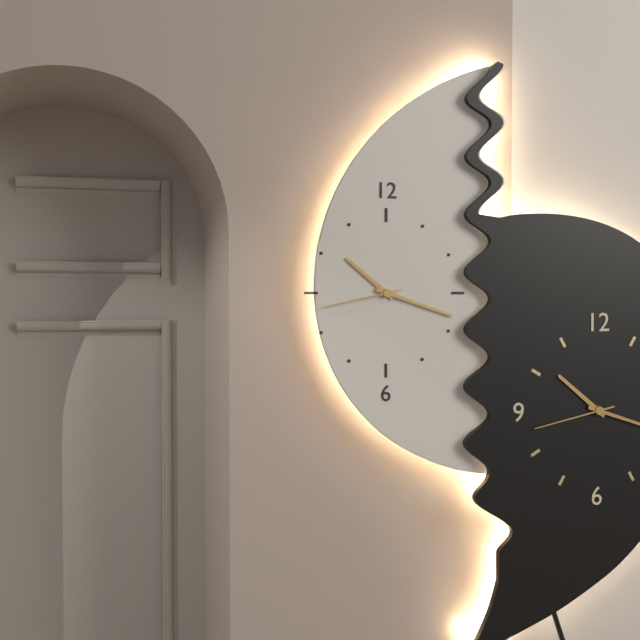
10:18:43
